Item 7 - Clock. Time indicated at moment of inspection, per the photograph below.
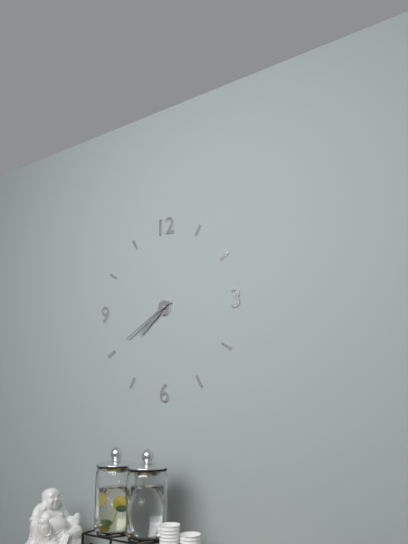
7:40
